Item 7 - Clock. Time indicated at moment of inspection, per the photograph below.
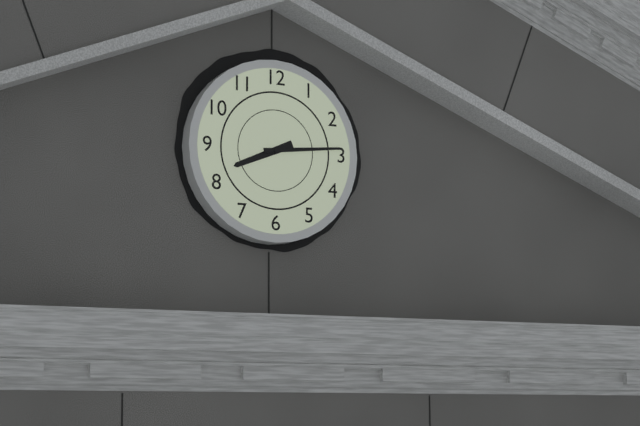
8:14
